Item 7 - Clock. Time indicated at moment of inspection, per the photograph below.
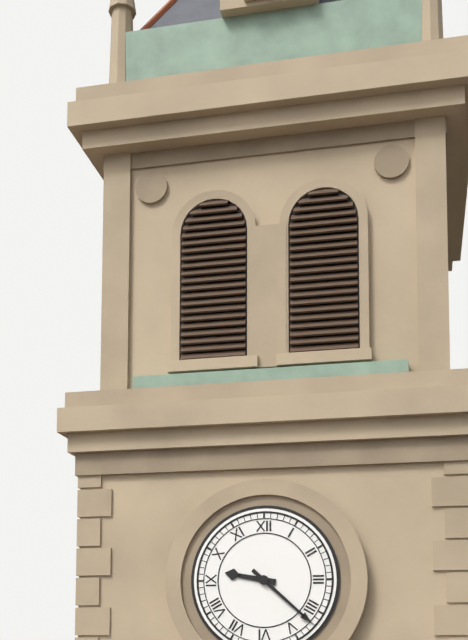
9:22
